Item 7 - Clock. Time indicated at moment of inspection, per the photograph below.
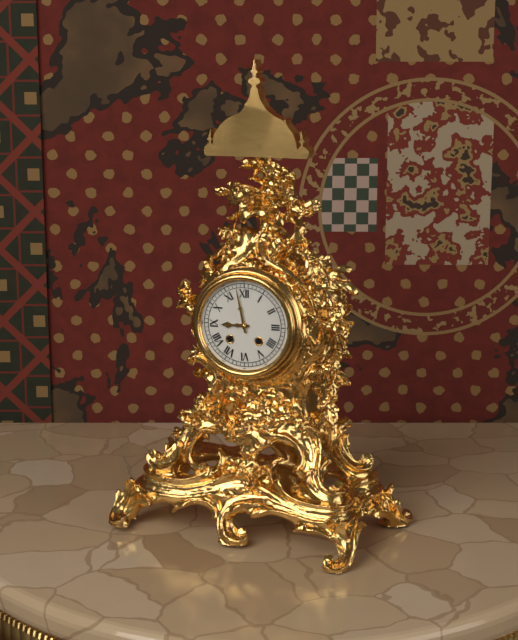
8:58
